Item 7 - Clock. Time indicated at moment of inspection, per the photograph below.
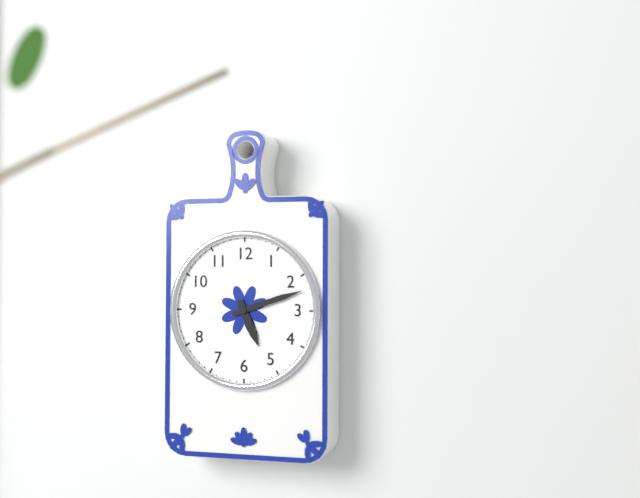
5:12
